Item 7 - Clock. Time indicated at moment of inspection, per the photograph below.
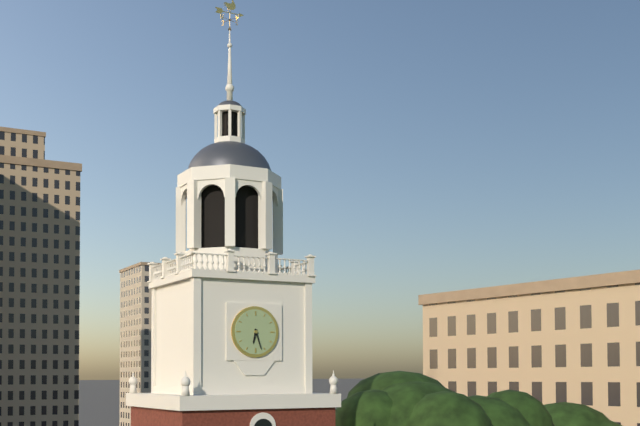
6:27
